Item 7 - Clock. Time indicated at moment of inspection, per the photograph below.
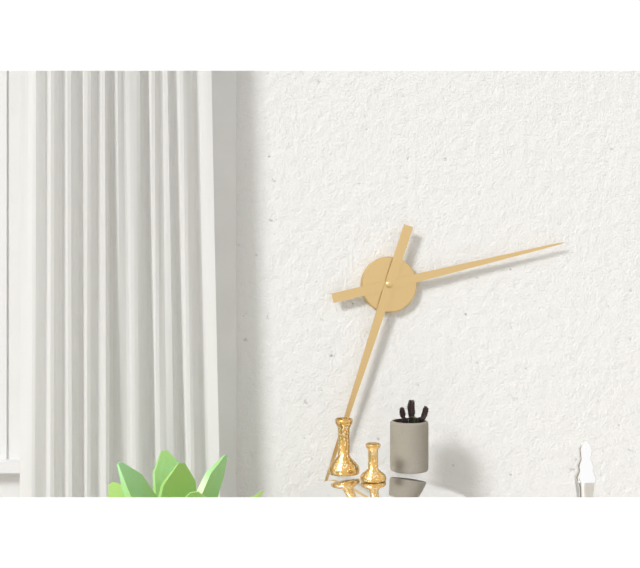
2:33
